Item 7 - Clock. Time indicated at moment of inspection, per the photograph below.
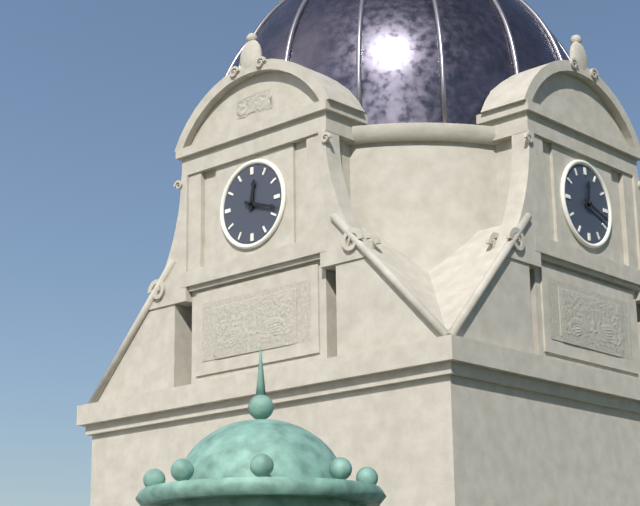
12:18
